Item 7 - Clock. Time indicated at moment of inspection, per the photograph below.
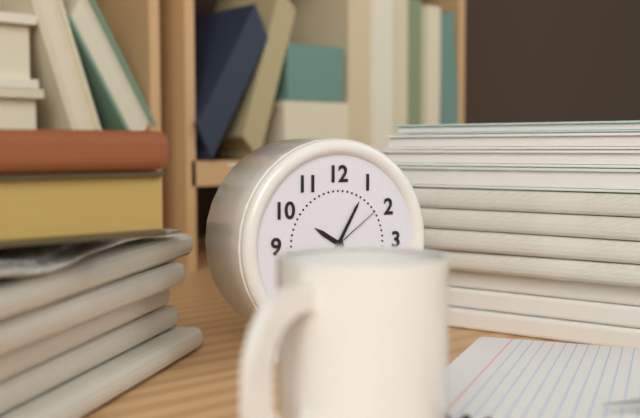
10:05:09
